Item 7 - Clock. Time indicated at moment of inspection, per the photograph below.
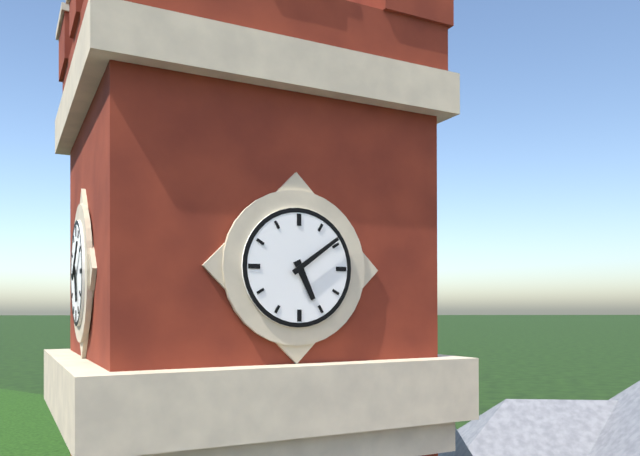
5:09
